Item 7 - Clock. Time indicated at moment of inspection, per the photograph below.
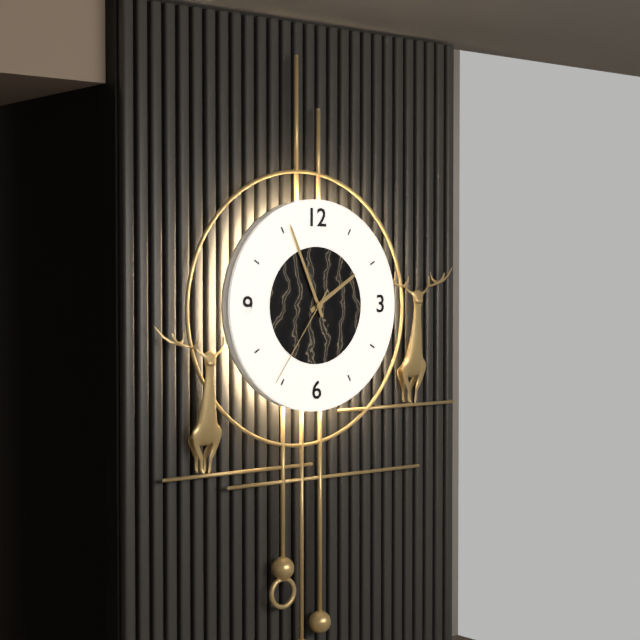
1:56:36
